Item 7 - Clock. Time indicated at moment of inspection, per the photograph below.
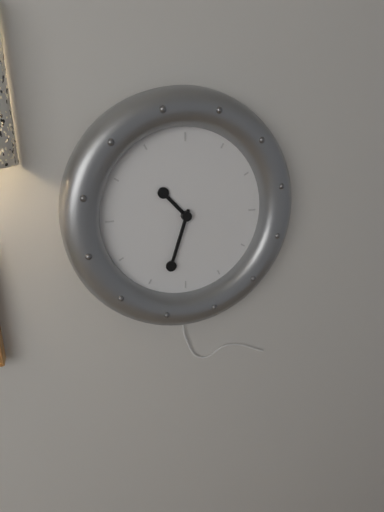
10:33
